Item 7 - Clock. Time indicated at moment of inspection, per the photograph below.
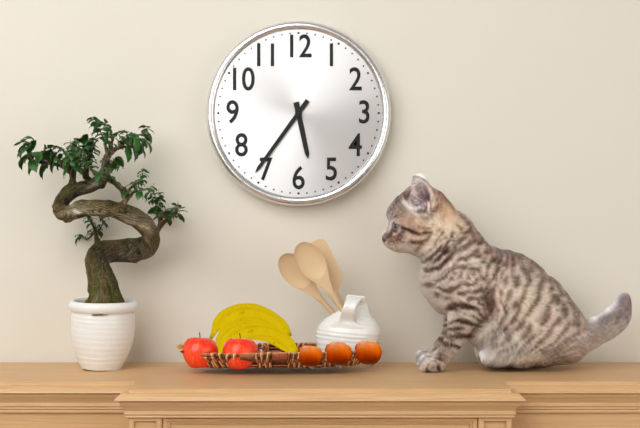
5:36
